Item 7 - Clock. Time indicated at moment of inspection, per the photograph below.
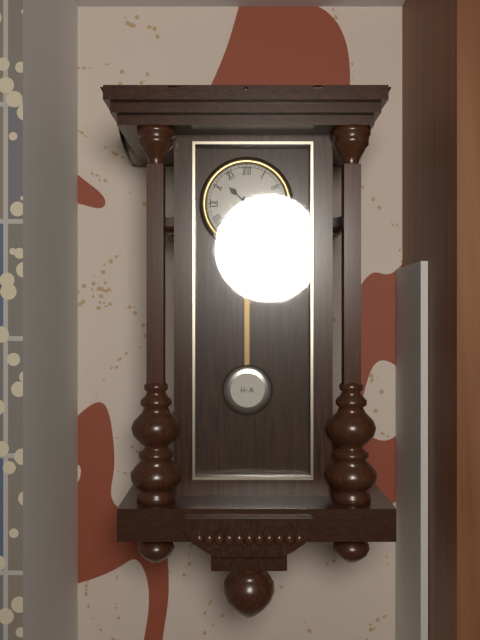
10:26
